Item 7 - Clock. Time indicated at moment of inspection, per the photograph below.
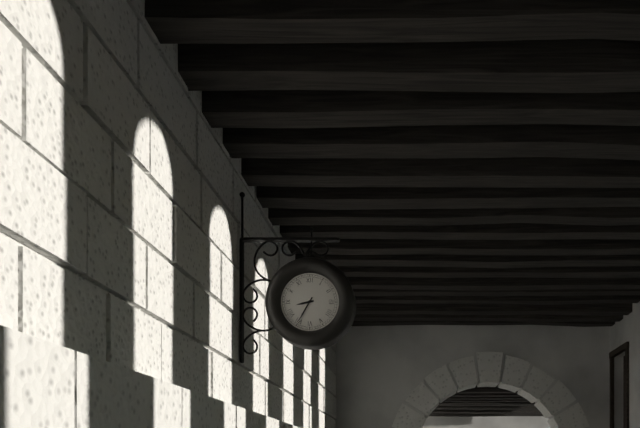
8:35
